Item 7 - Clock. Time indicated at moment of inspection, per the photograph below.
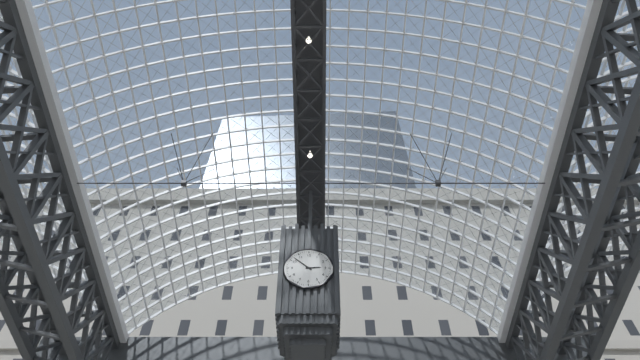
2:52
